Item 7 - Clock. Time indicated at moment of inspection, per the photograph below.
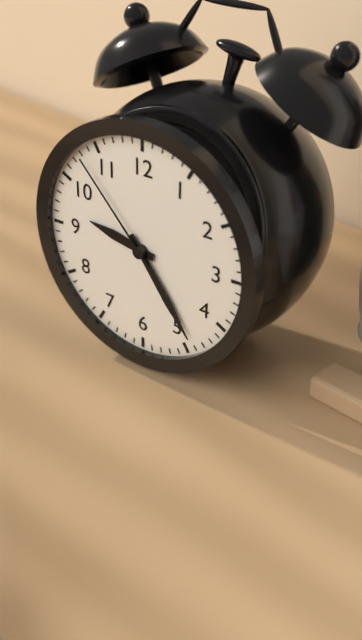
9:24:53
